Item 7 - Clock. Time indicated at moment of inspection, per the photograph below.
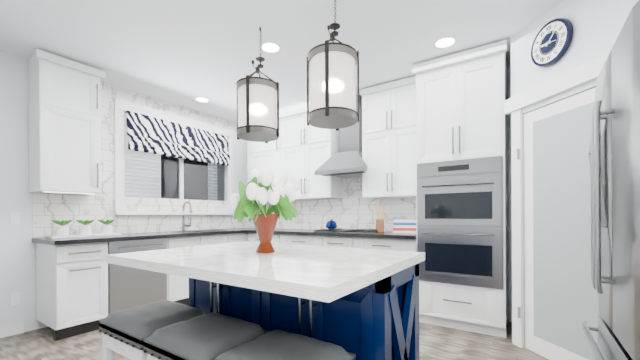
9:07
